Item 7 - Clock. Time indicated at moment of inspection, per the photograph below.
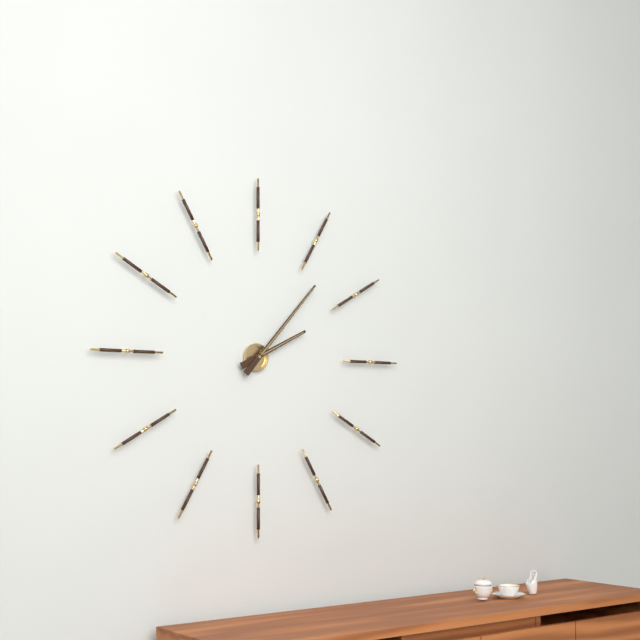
2:07
